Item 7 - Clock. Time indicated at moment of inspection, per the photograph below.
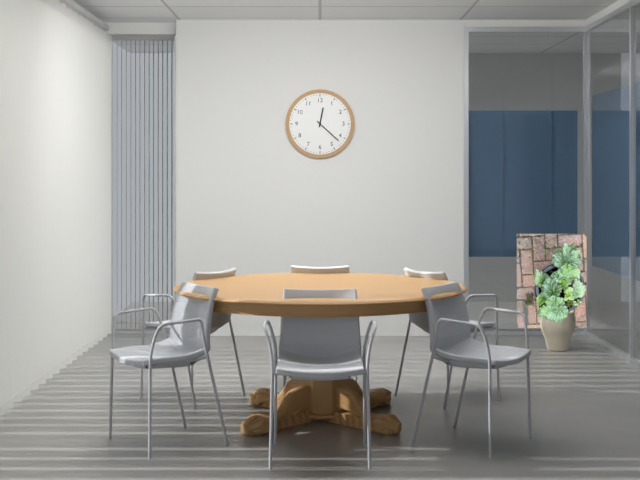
12:22
